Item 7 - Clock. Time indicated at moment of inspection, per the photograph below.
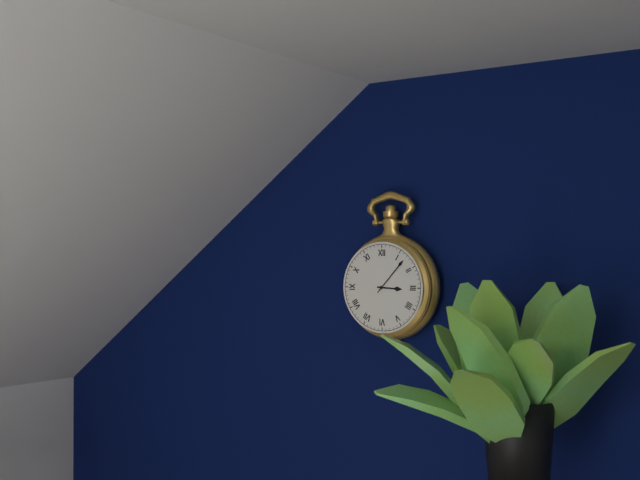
3:07
